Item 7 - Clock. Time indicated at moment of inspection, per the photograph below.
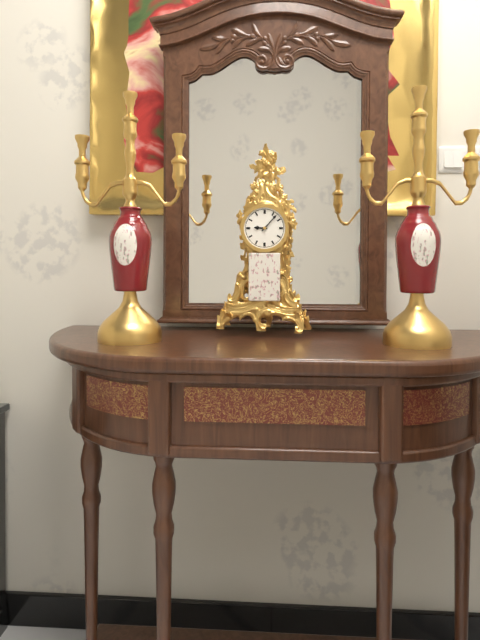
9:07
